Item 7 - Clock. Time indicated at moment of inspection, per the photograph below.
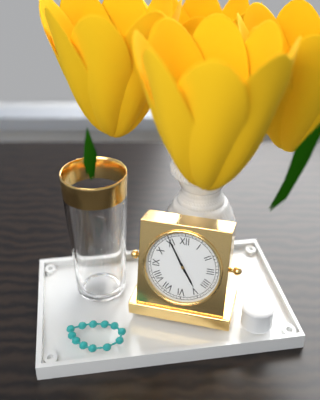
4:55
